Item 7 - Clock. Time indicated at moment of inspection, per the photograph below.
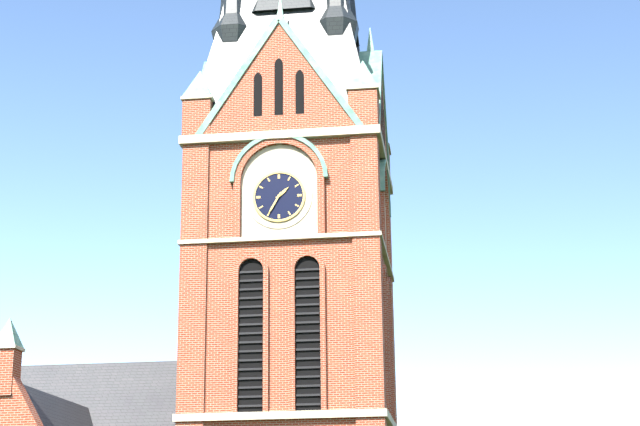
1:35
